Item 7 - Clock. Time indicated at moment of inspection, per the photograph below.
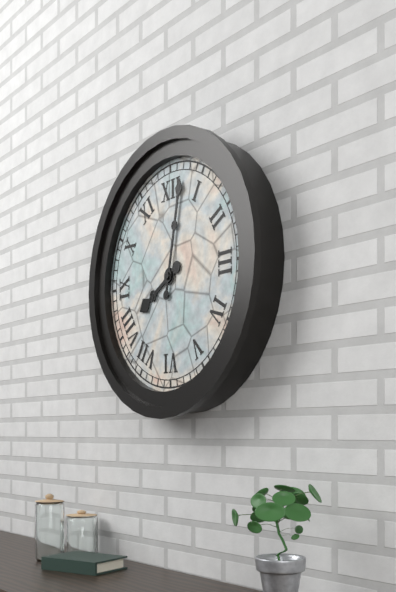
8:02
